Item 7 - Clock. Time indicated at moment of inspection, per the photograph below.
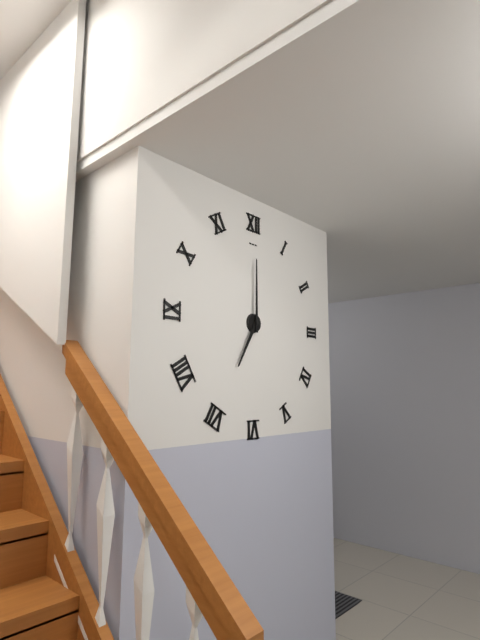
7:00
